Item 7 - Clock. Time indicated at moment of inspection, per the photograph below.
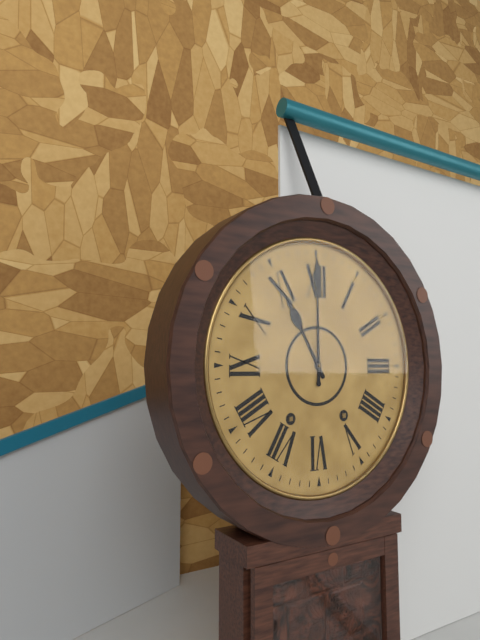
11:00
